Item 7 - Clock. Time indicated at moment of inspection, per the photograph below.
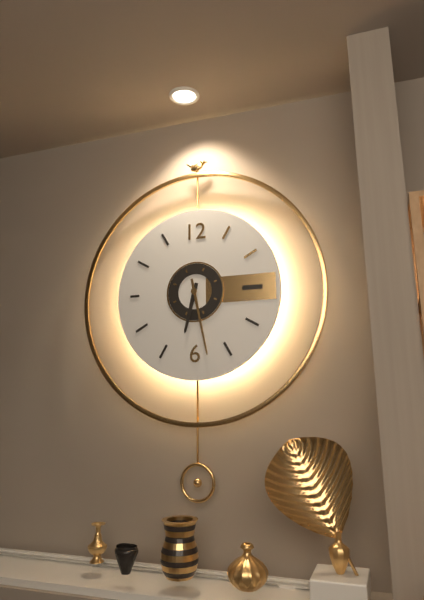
6:28
